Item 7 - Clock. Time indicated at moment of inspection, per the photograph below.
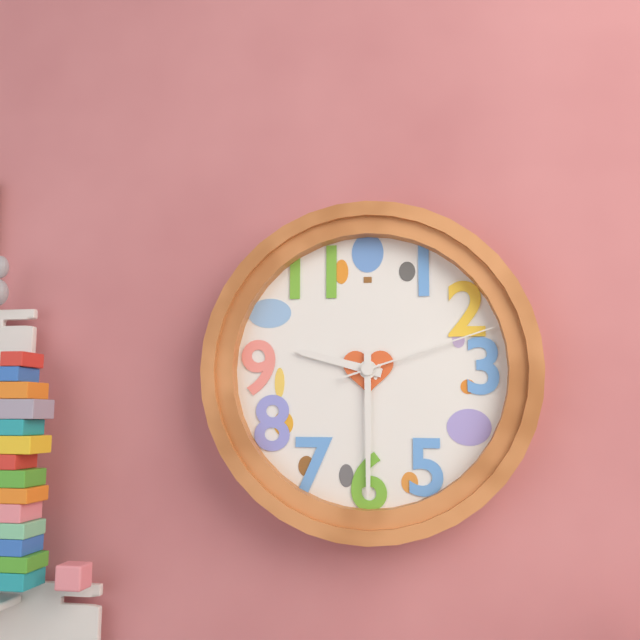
9:30:12
